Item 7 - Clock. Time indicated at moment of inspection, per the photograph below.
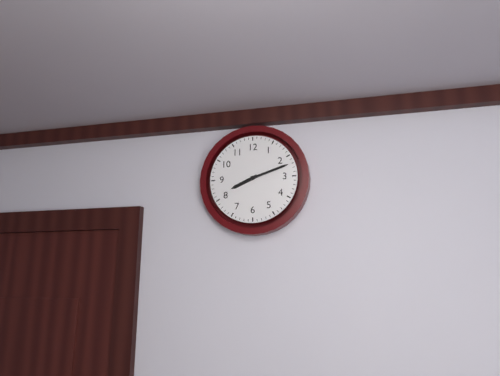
8:12
